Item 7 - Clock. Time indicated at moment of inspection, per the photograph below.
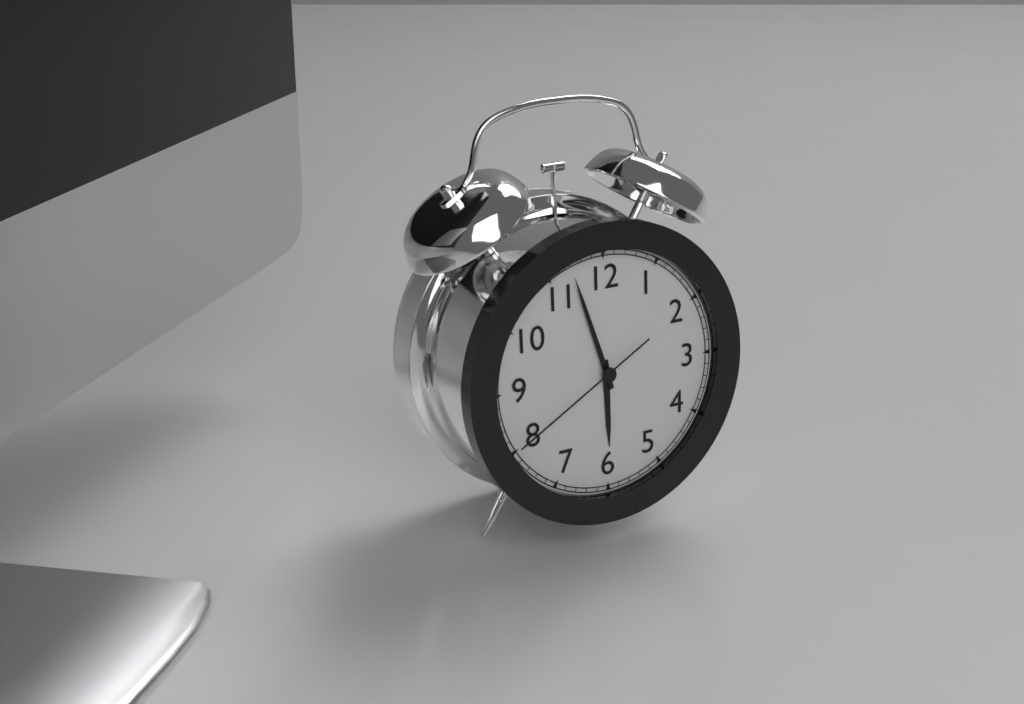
5:57:40
